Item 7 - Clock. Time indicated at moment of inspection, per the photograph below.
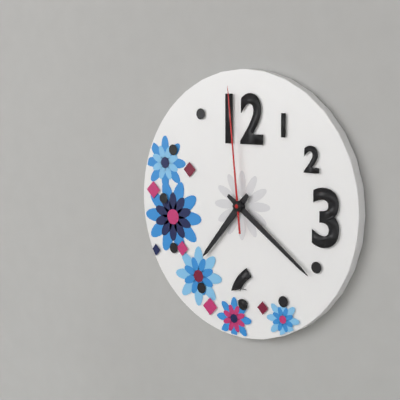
7:21:59
